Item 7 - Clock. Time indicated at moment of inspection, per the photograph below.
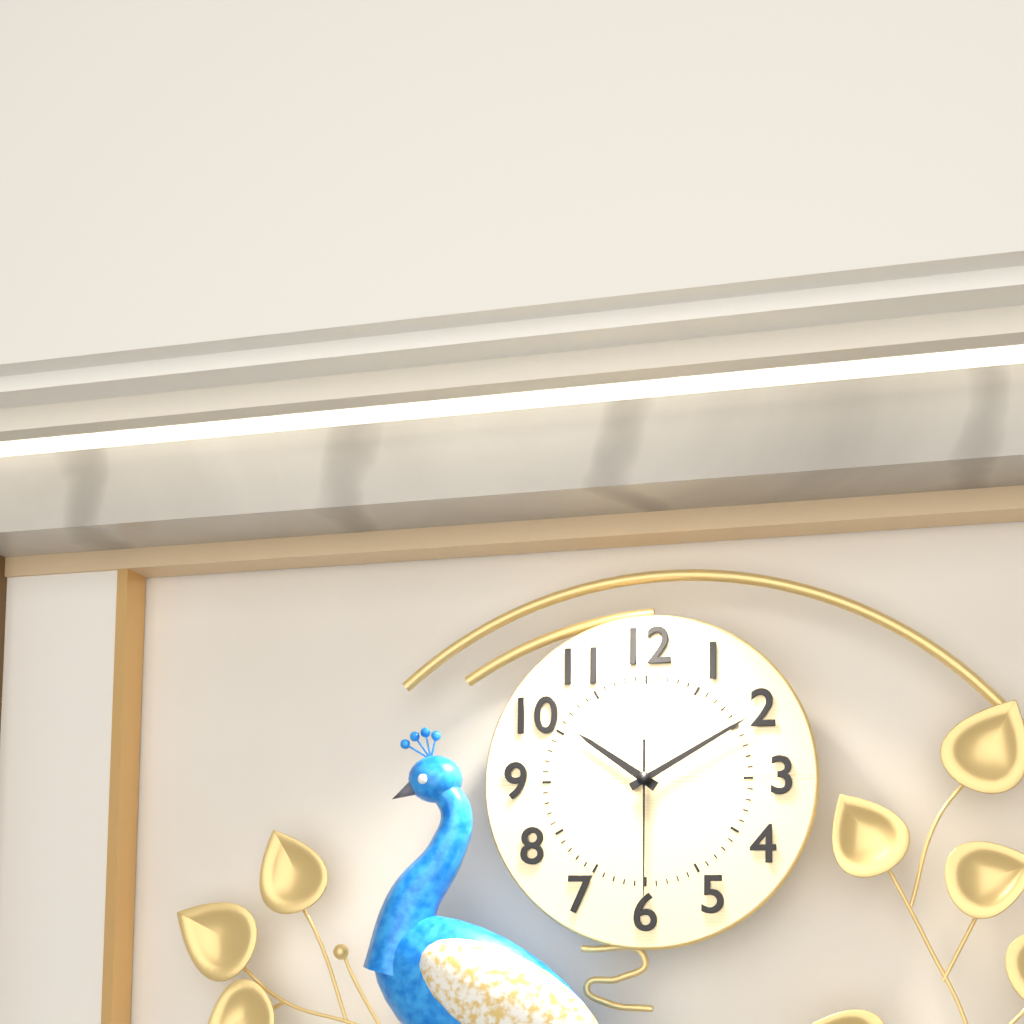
10:10:30
